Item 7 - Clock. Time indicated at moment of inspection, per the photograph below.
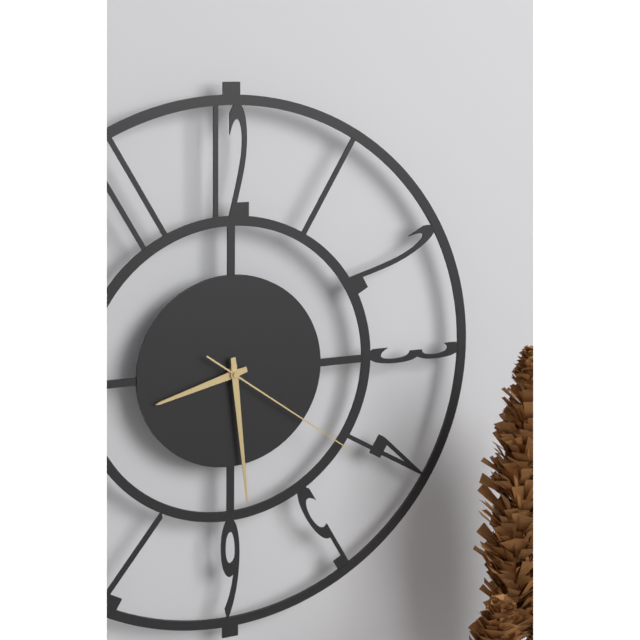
8:29:21
